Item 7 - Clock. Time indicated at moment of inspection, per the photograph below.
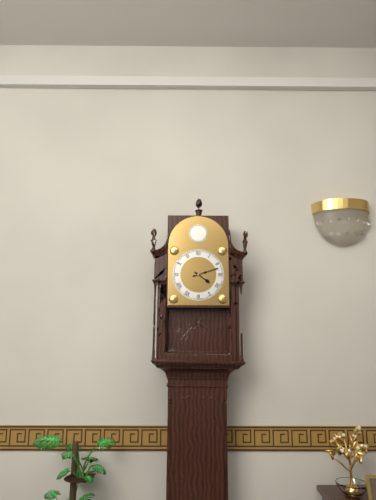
4:12
